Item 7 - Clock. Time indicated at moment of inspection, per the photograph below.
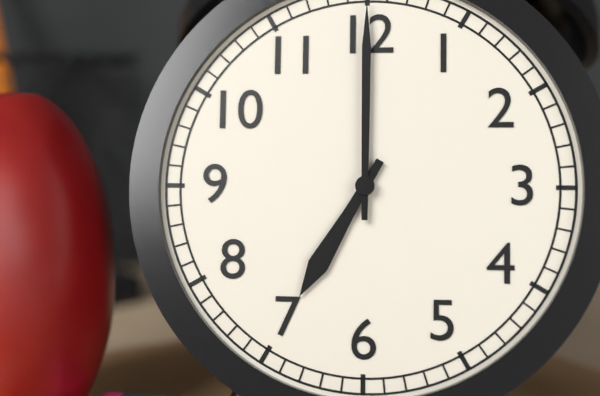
7:00
